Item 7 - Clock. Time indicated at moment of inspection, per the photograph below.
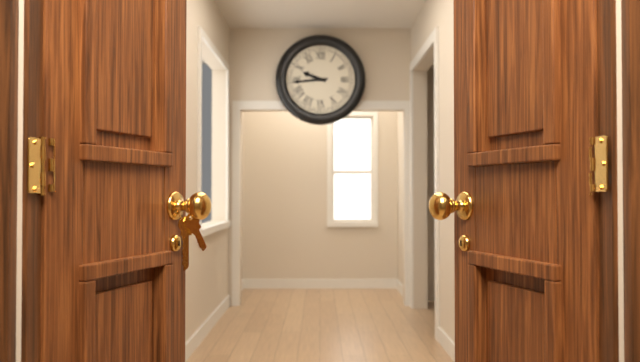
9:44
